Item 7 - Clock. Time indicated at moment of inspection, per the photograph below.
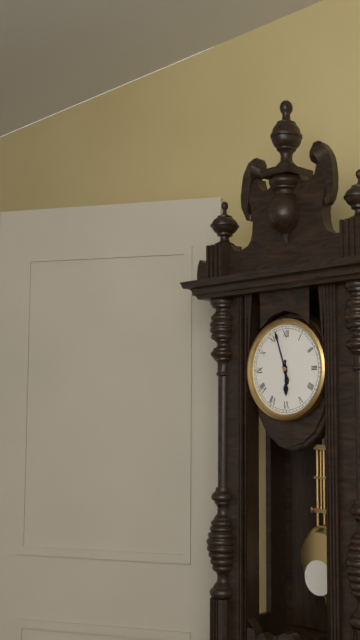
5:57
